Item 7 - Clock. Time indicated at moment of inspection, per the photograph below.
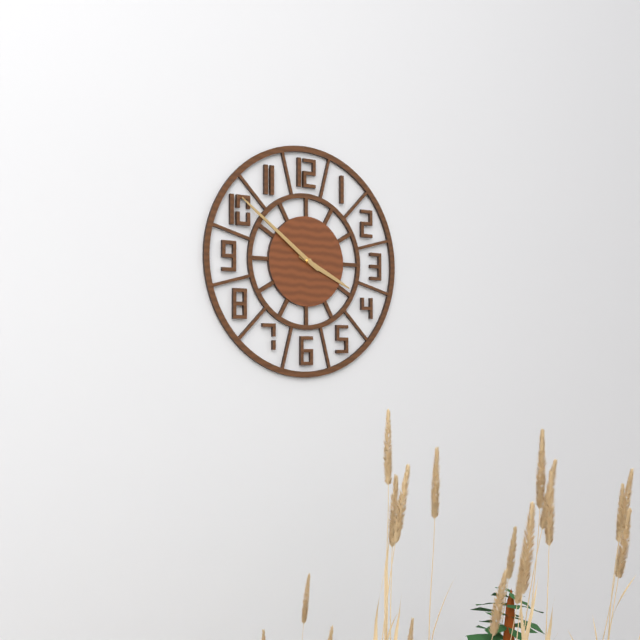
3:51
